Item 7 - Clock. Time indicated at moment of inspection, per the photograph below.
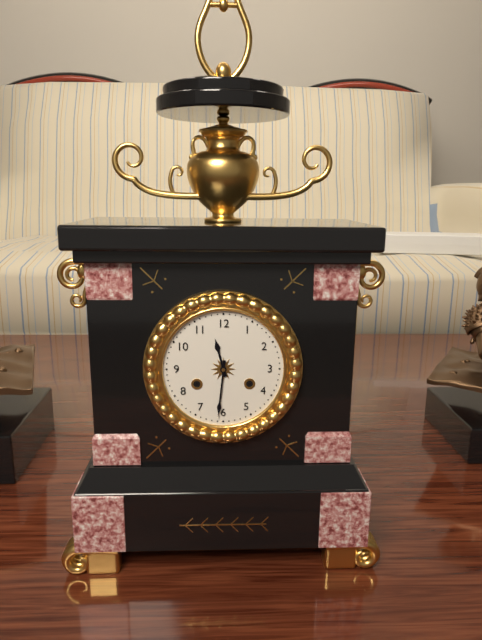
11:31
